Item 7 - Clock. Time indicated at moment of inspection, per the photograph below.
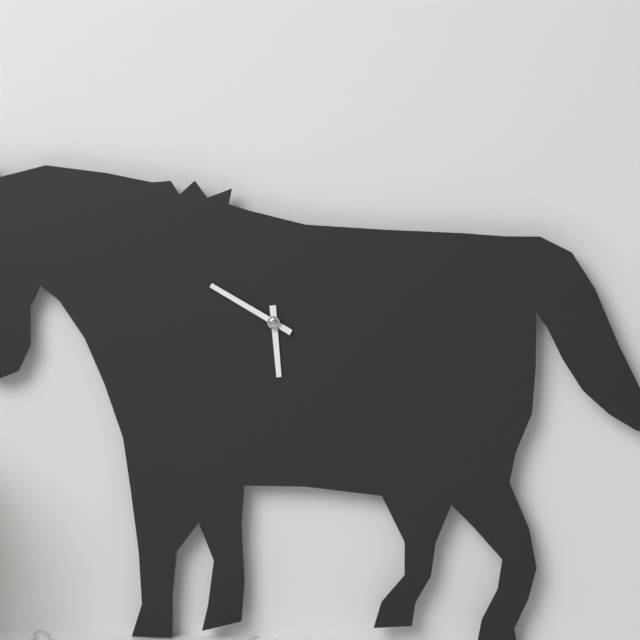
5:50
